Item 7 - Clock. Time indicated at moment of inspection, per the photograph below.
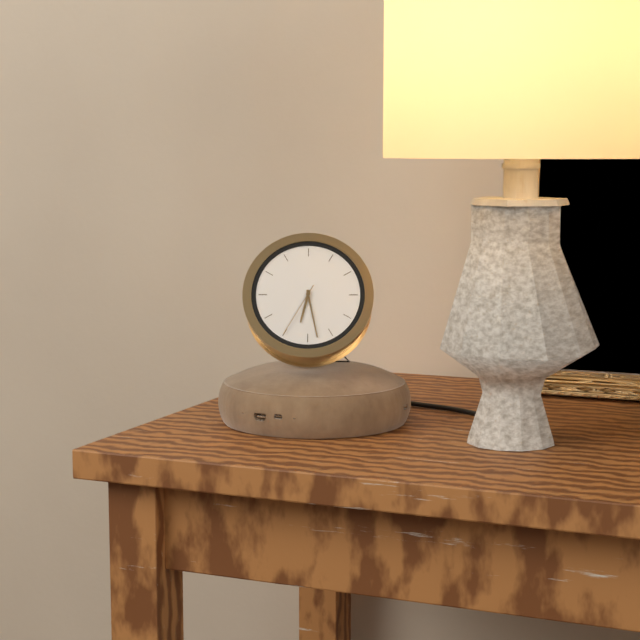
6:28:35
